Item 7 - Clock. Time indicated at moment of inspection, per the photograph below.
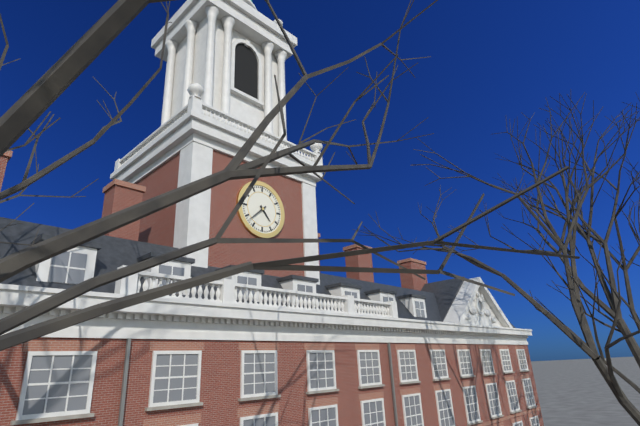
4:38
